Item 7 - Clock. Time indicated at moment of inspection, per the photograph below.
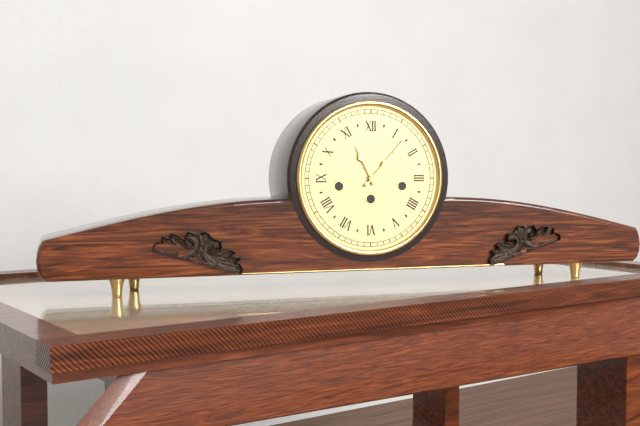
11:07
